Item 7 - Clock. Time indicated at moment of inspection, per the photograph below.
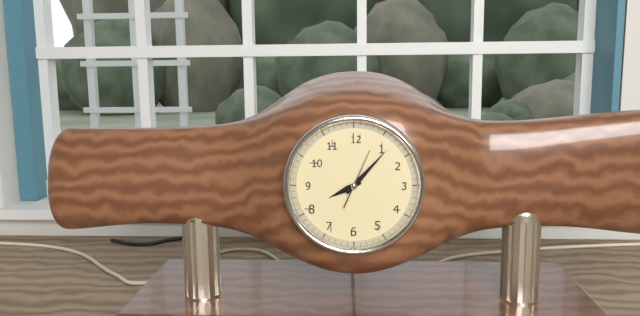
8:07:04
